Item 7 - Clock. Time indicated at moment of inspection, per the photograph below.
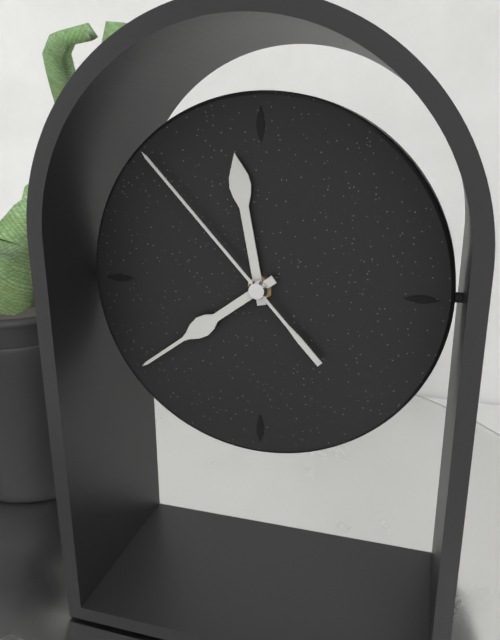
11:39:53
